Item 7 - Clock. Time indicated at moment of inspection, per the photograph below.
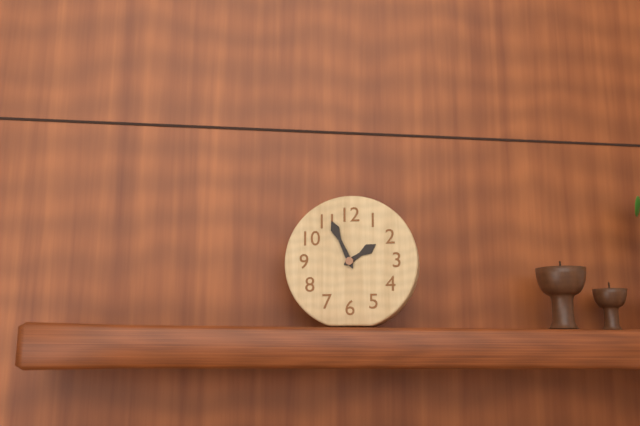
1:56
